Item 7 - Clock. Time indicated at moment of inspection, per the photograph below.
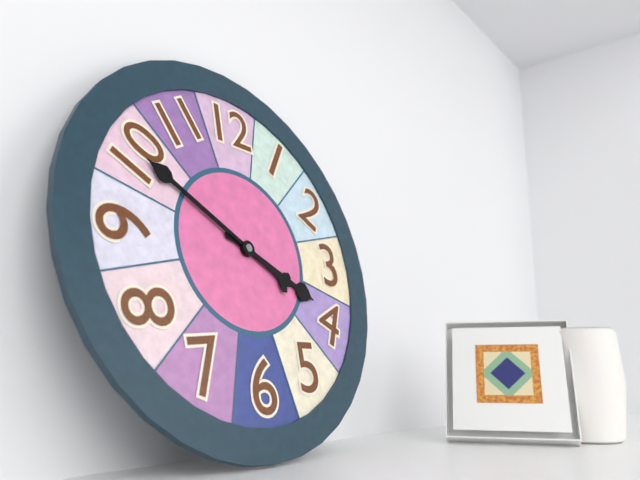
3:50
